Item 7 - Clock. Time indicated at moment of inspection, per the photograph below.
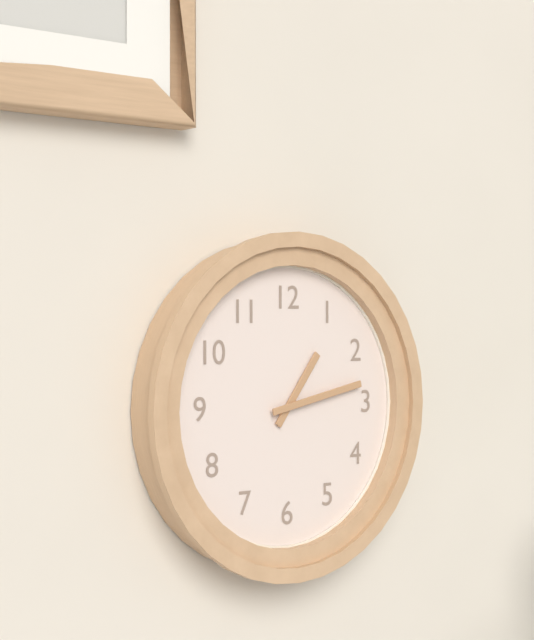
1:13
